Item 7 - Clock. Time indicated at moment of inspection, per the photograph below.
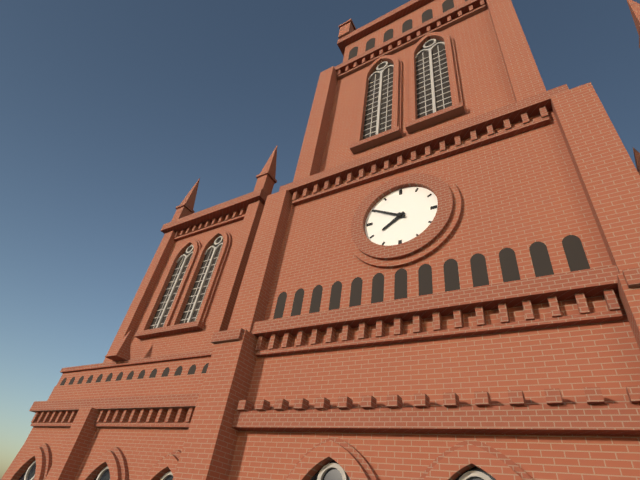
7:50
